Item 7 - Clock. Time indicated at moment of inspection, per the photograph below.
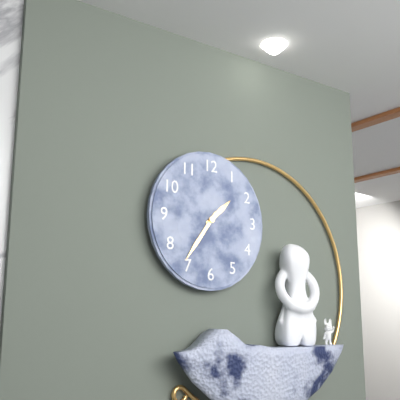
1:36
